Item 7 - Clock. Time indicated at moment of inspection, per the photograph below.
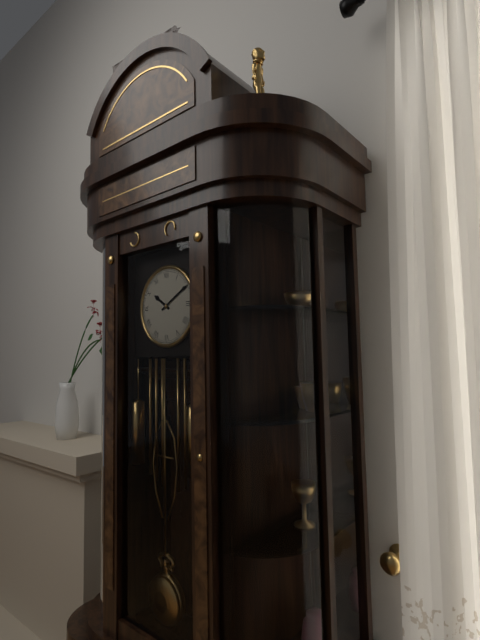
10:10
